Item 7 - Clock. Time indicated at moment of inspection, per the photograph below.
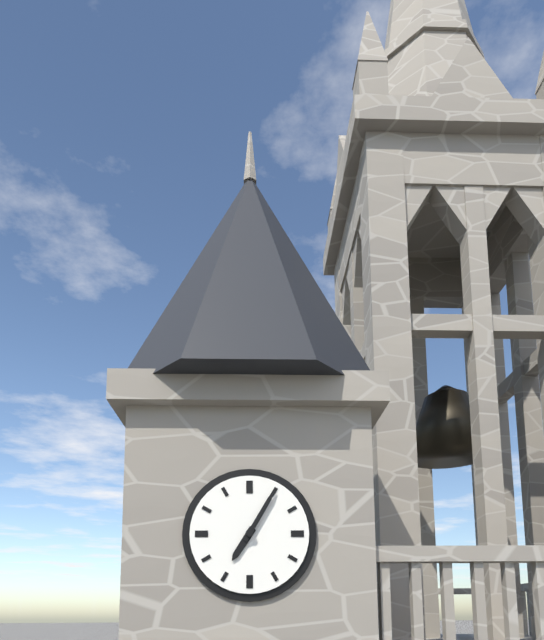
7:05
